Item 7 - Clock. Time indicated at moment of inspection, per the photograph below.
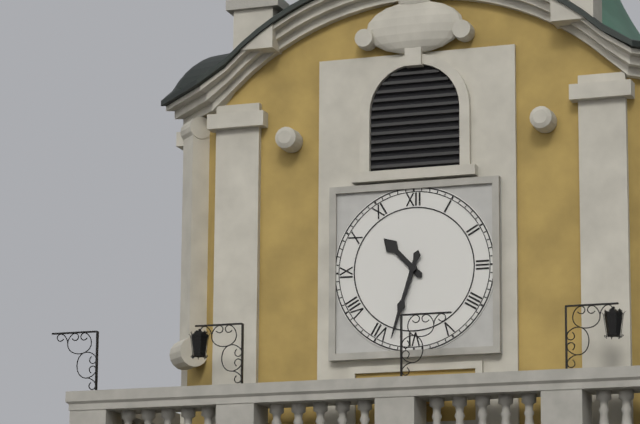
10:33
